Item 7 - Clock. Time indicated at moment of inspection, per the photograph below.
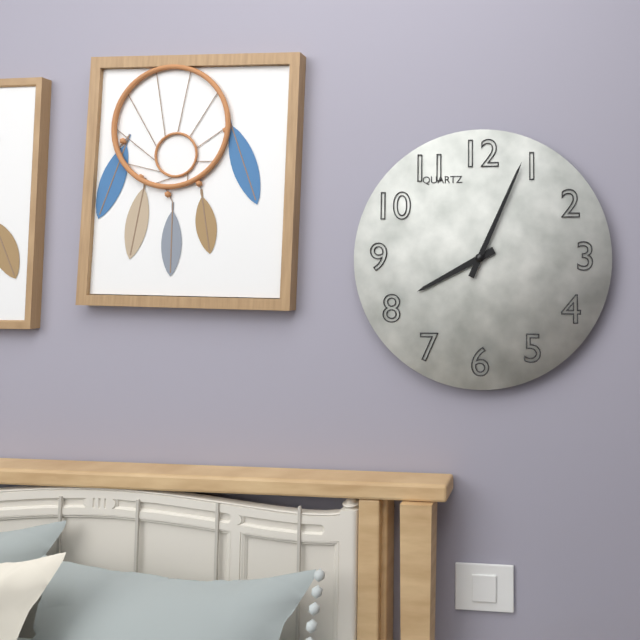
8:04
